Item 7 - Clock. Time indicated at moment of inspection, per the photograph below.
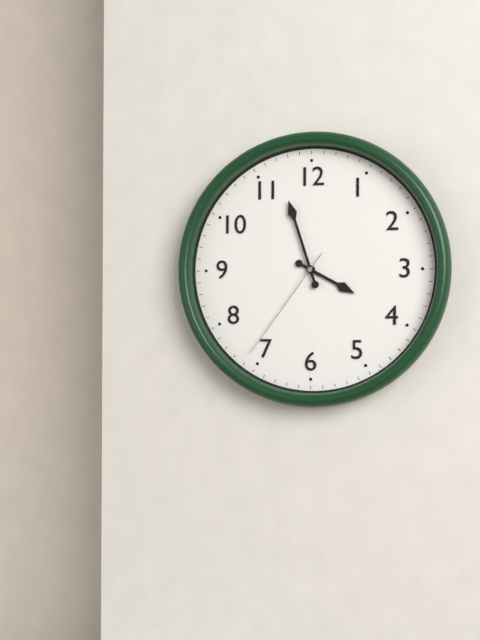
3:57:36
